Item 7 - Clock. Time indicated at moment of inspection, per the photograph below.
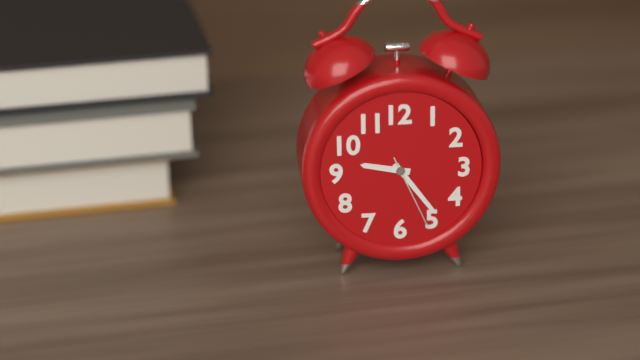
9:24:26
